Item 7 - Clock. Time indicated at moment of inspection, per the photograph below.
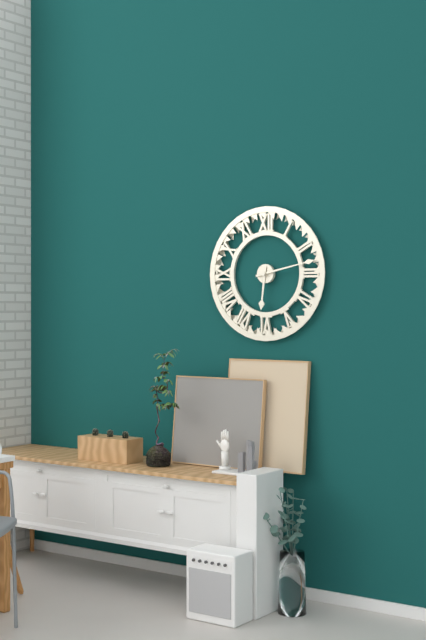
6:13
